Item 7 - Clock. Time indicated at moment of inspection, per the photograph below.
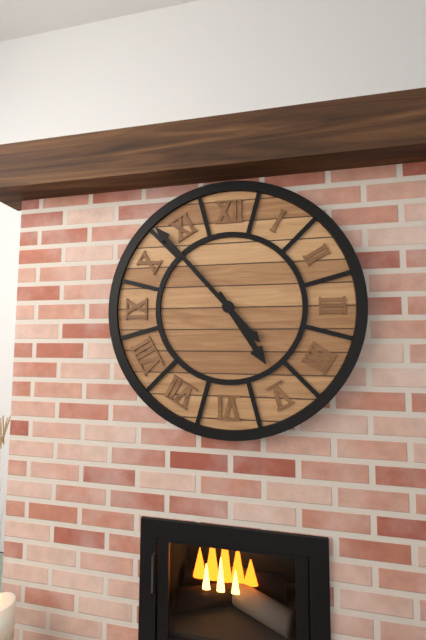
4:53
